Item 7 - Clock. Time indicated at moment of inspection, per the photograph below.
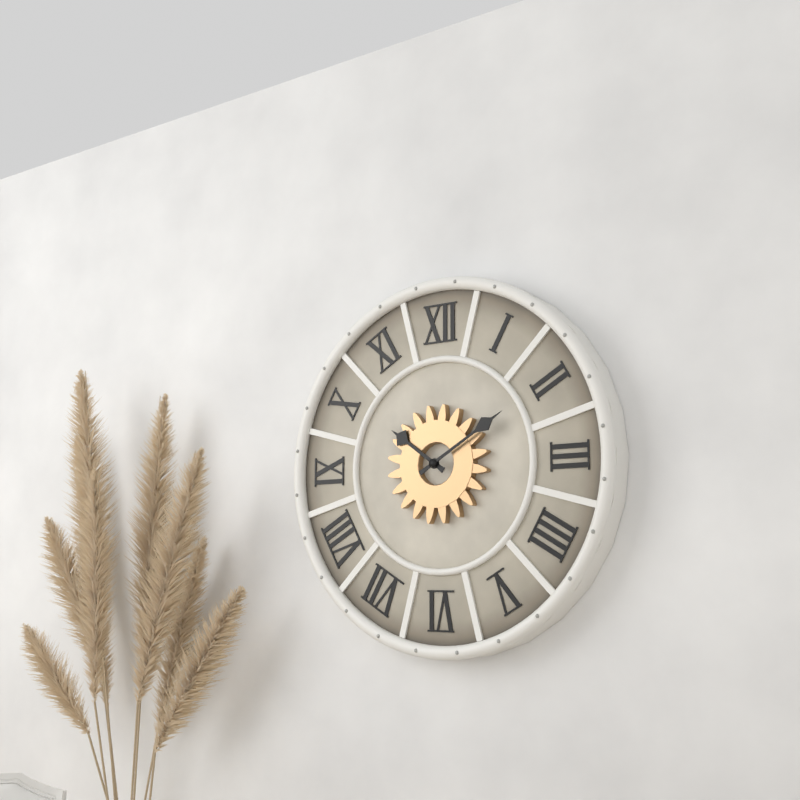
10:10
